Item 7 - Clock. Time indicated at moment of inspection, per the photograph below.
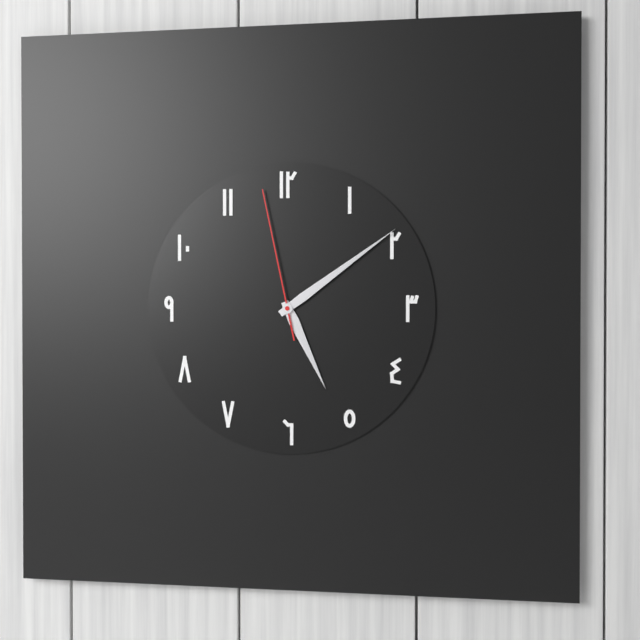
5:09:58
